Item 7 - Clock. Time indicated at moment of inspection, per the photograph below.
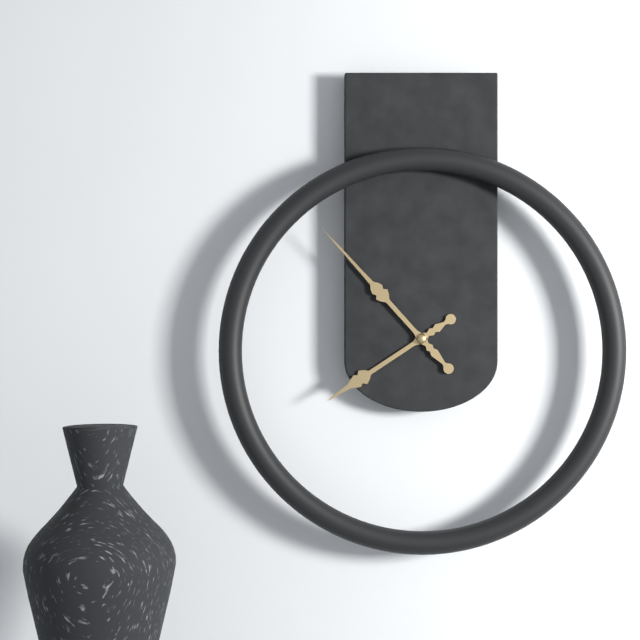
7:53
